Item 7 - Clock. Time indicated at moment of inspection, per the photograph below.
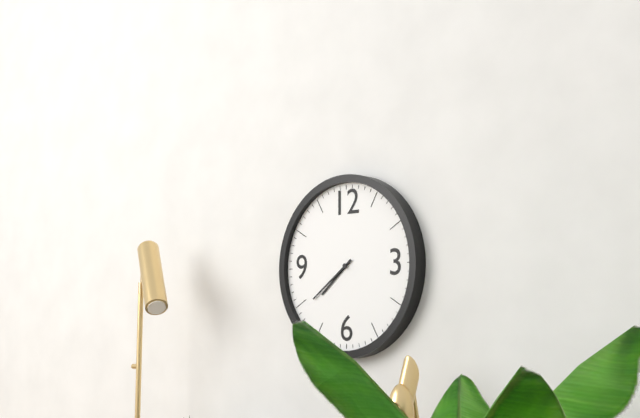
7:39
